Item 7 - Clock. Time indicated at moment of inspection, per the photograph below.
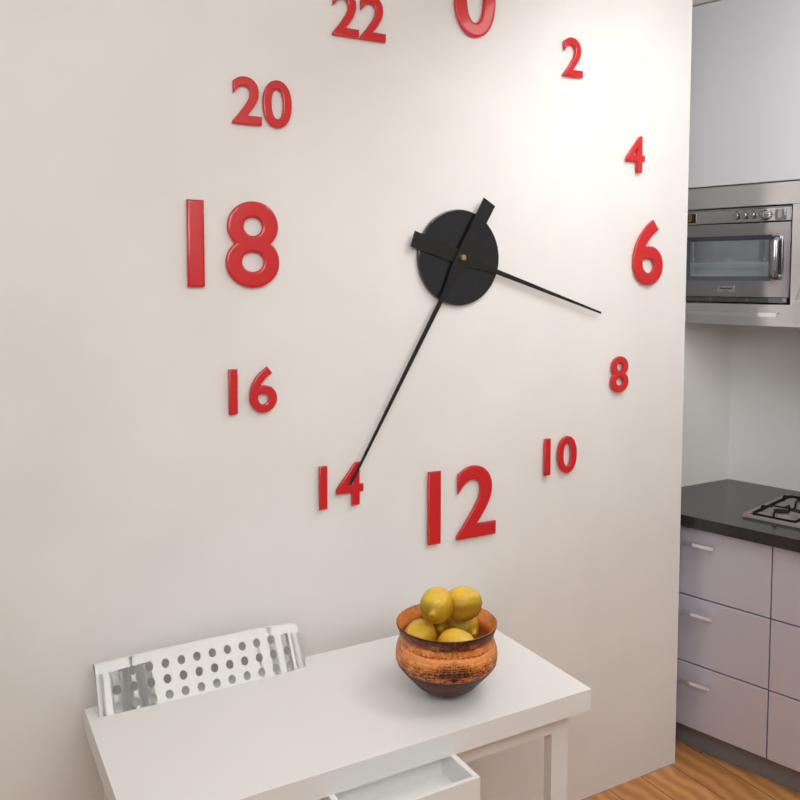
3:35
